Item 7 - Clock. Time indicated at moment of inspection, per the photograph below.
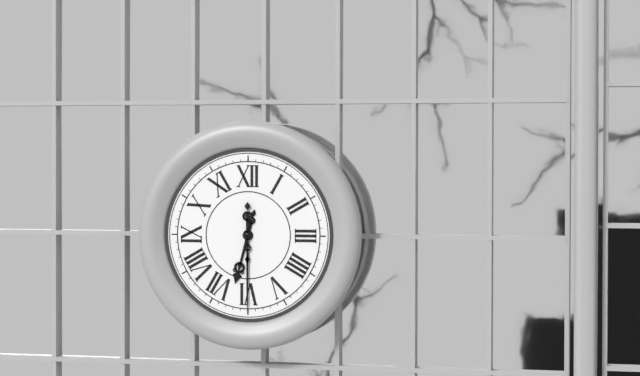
6:30
